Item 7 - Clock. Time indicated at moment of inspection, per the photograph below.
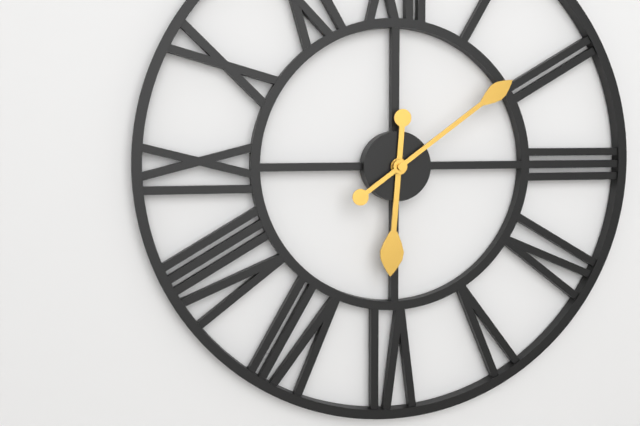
6:09
